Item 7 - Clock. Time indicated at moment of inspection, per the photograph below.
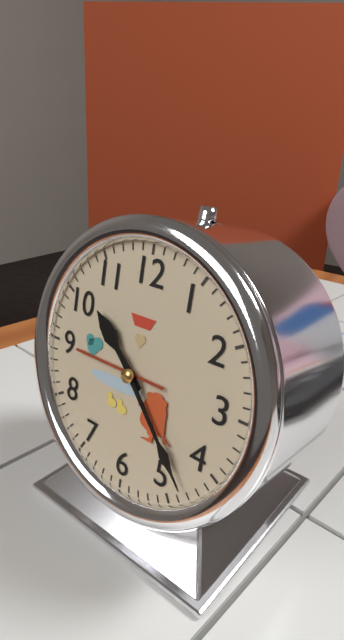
10:23
